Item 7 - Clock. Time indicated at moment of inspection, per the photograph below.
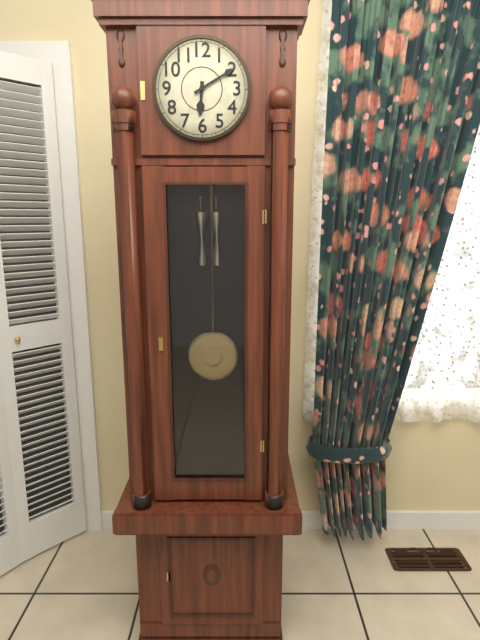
6:10
